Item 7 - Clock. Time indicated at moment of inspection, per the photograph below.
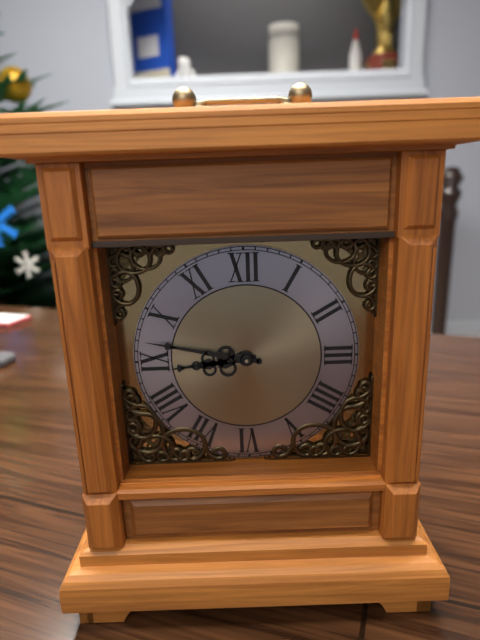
8:47
